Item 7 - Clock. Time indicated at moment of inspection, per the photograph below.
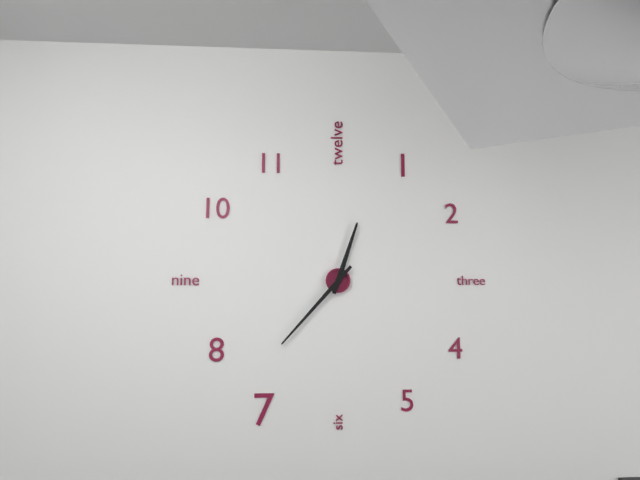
12:37
